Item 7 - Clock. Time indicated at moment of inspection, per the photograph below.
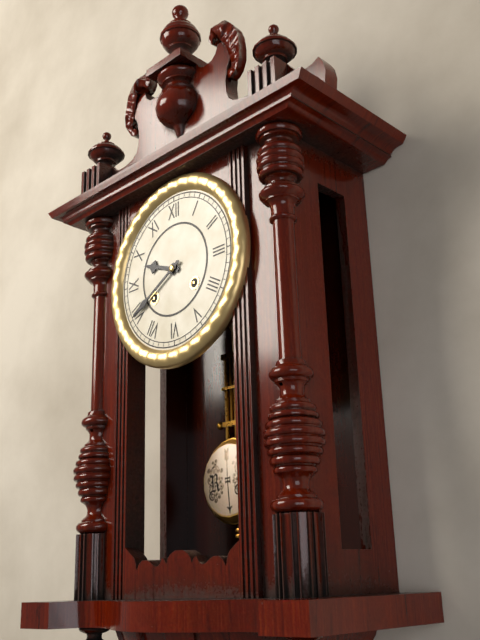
9:40
